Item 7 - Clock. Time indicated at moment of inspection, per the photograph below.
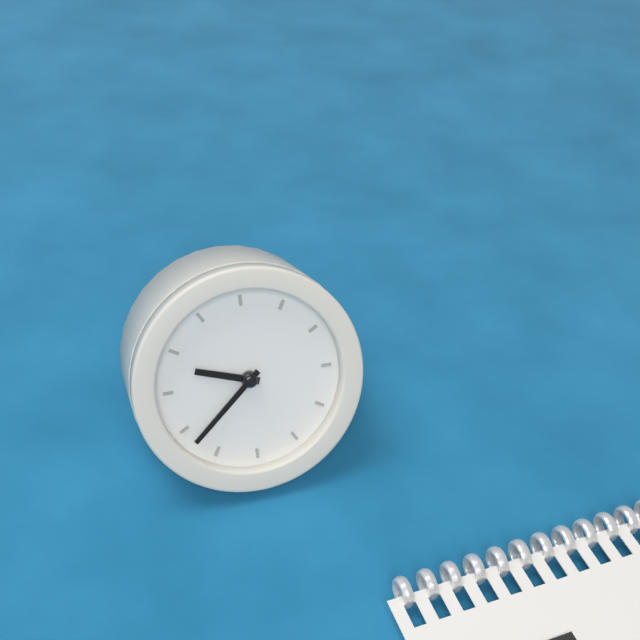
9:38
